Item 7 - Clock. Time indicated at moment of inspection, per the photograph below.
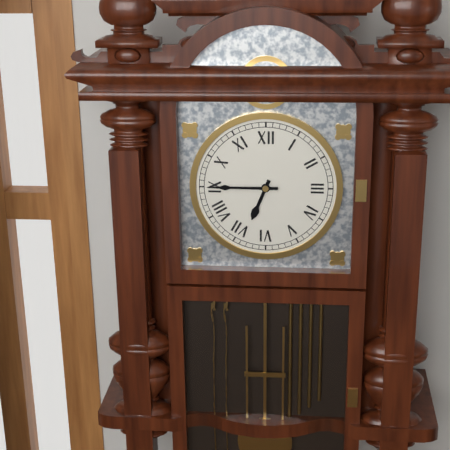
6:45
